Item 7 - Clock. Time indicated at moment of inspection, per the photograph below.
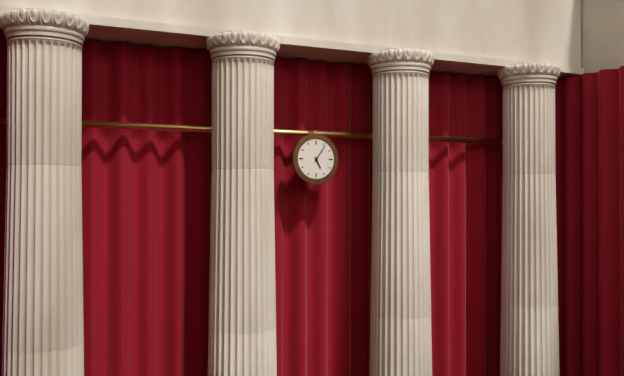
5:06
